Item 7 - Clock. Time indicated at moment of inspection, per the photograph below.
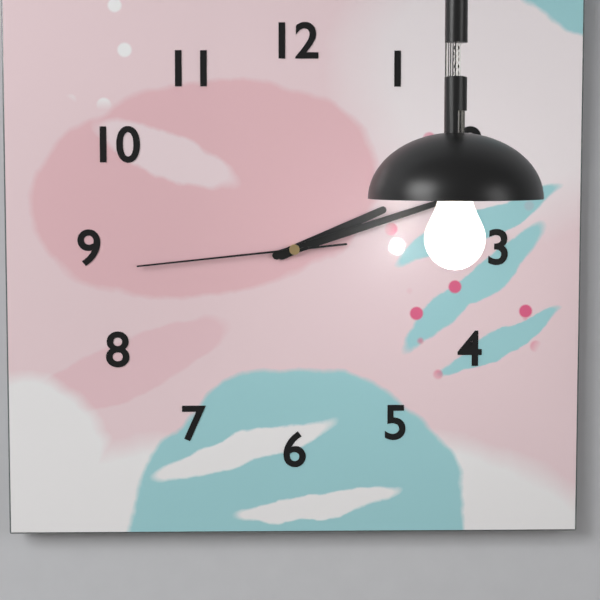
2:12:44
